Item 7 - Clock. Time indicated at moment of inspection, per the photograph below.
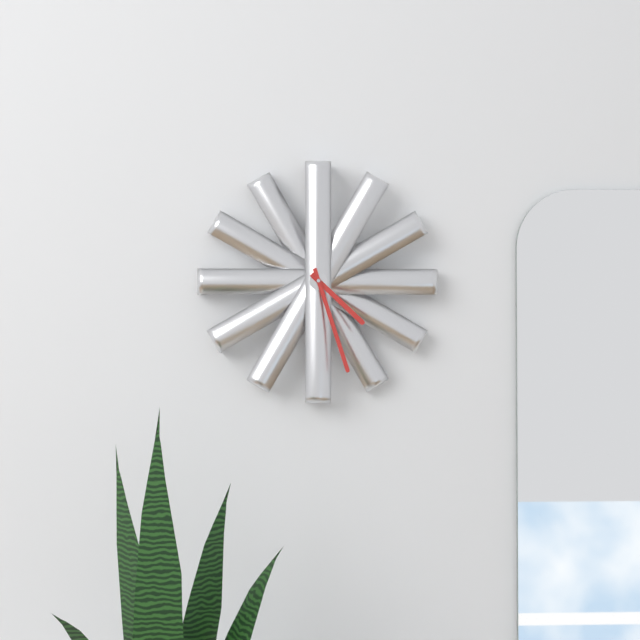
4:27
